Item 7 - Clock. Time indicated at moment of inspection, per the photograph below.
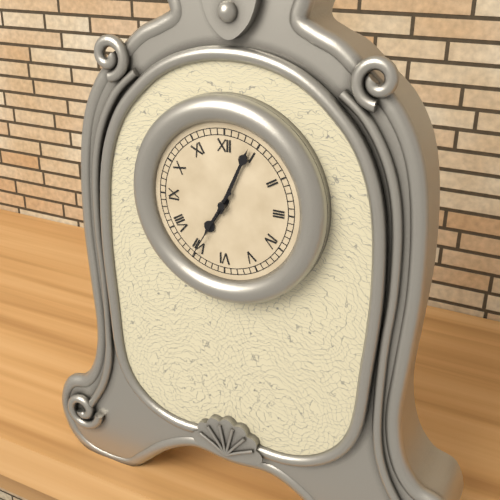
7:04:35
